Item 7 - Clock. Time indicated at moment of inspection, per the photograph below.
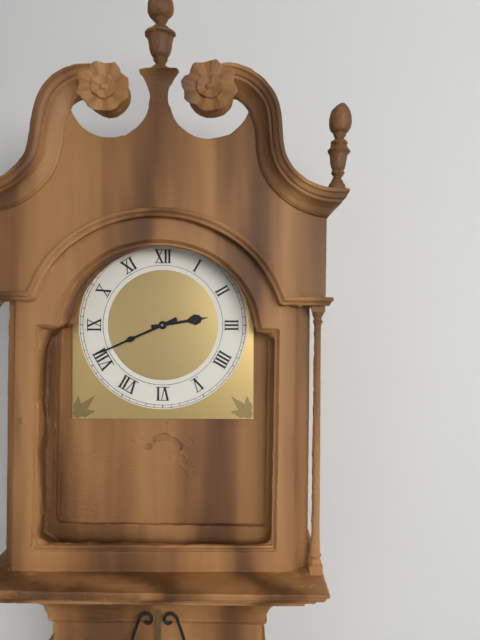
2:41
